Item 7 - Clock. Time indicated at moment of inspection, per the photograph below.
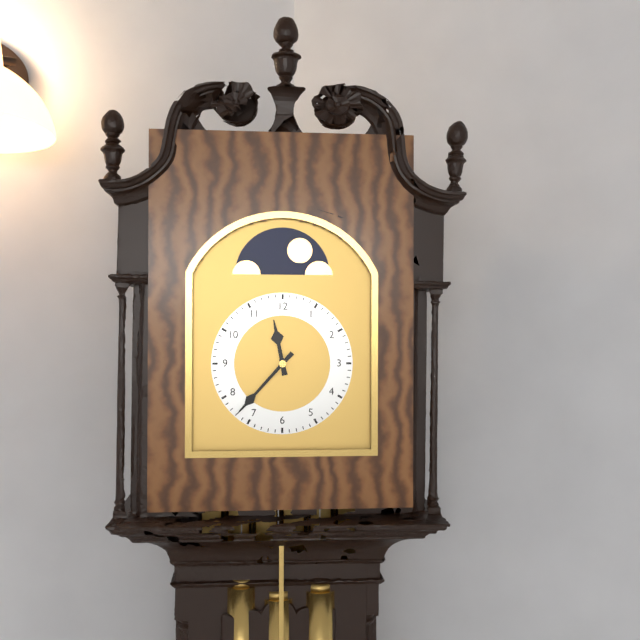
11:37
